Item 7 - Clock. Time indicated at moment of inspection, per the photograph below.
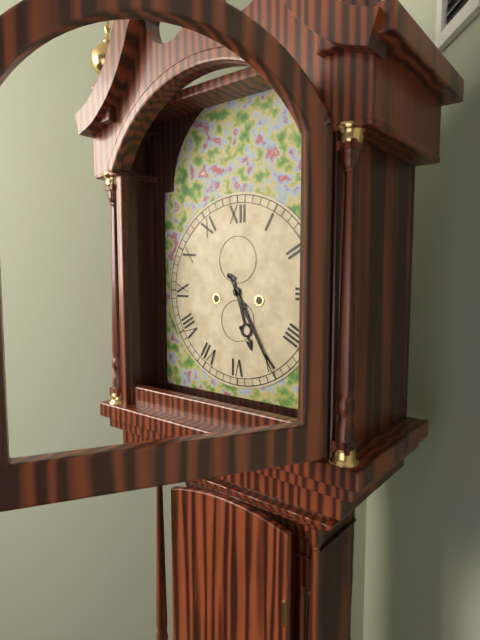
5:25
